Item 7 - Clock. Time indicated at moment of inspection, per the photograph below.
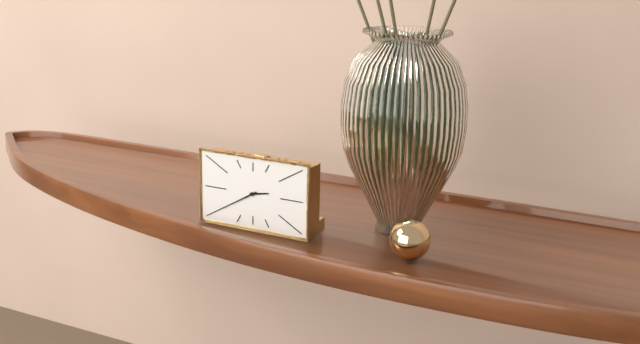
2:40
